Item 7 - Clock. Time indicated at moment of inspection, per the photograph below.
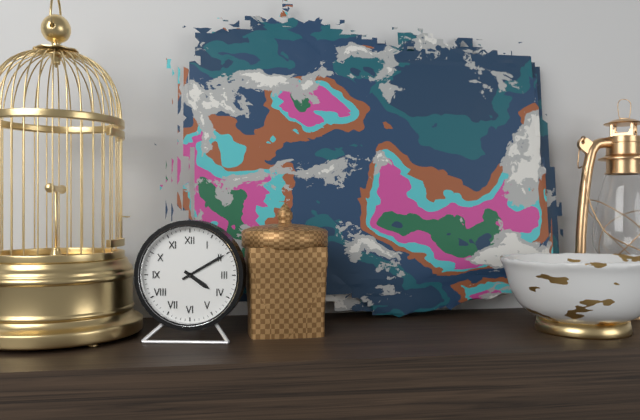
4:10
